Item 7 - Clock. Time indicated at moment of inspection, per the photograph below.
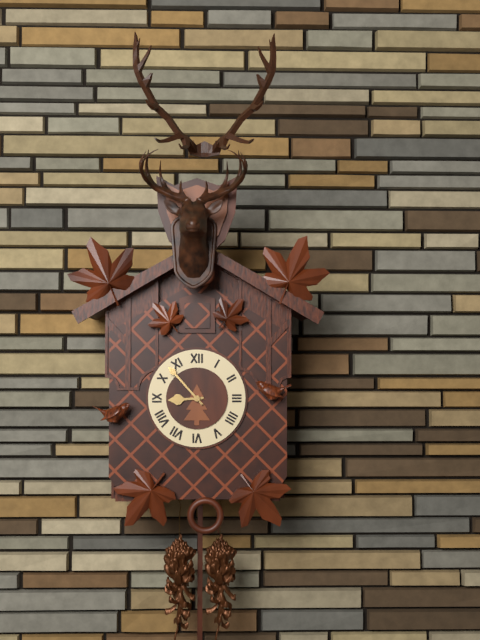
8:53
